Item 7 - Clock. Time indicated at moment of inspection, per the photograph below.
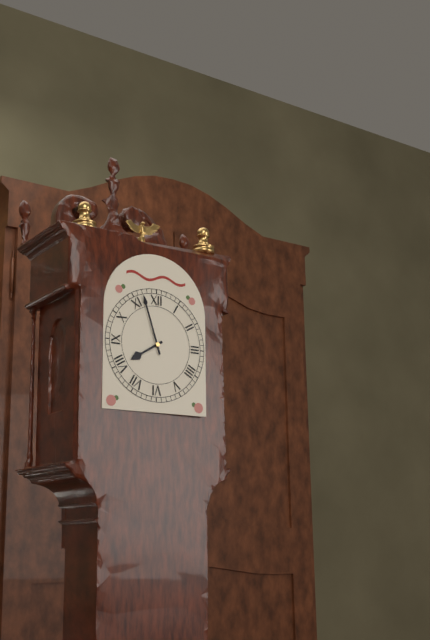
7:57
